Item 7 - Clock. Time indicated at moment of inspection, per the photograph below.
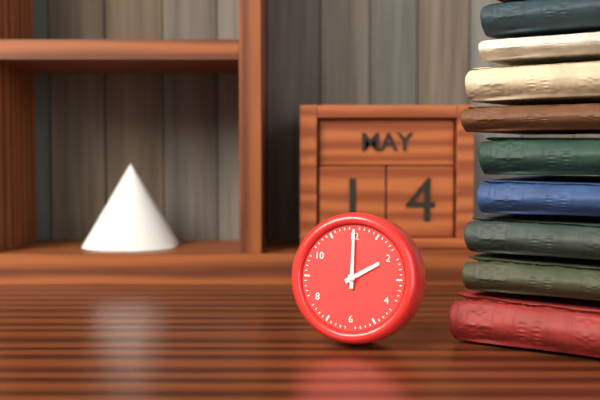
2:00
